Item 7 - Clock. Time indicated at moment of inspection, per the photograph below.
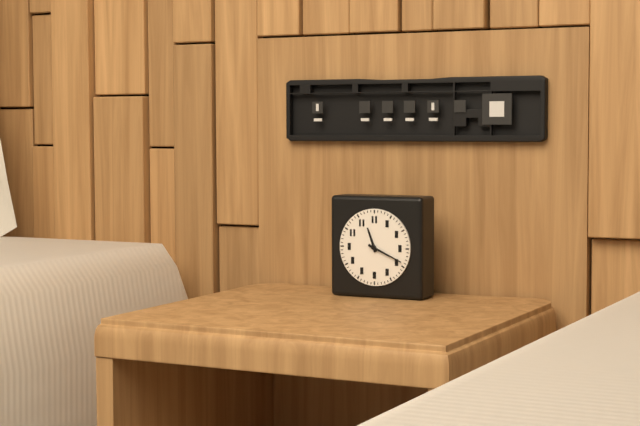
11:19
